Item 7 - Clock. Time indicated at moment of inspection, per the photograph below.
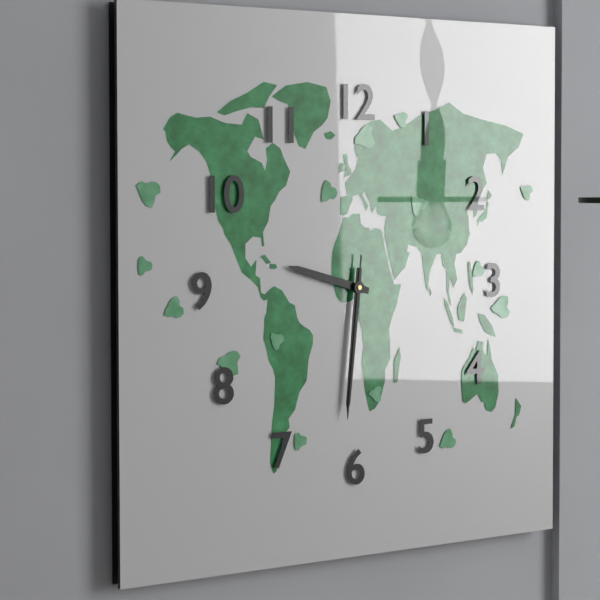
9:31:31
